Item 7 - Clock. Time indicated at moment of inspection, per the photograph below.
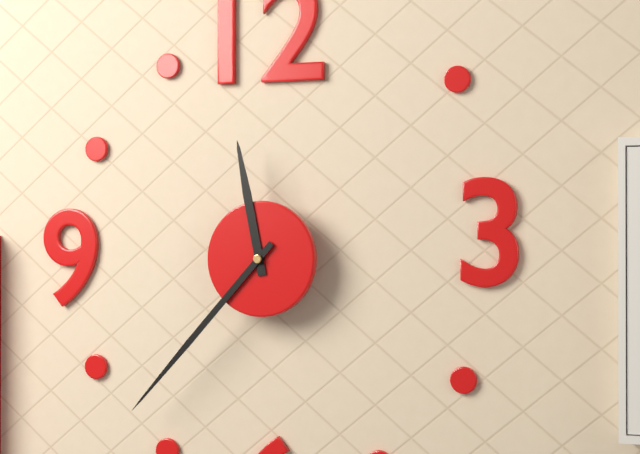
11:37
